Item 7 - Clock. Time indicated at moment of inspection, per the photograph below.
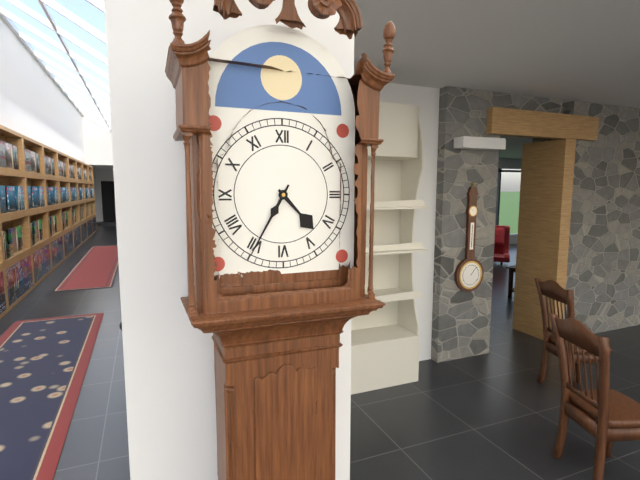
4:35
